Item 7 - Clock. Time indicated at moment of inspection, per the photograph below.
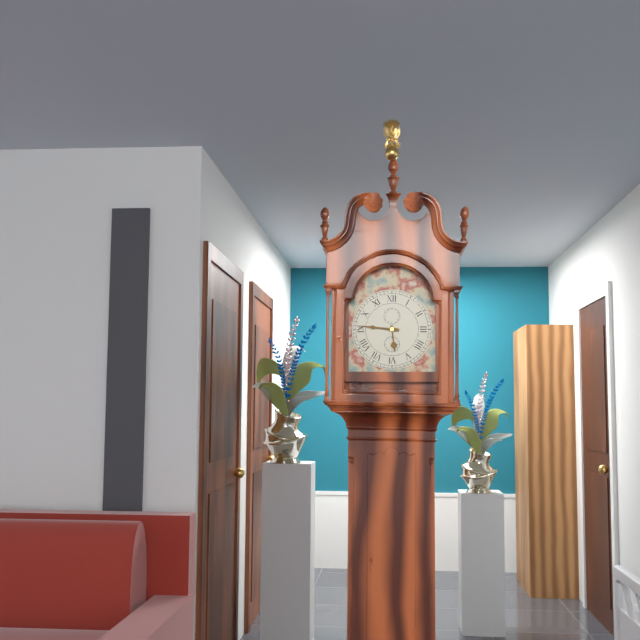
5:46
